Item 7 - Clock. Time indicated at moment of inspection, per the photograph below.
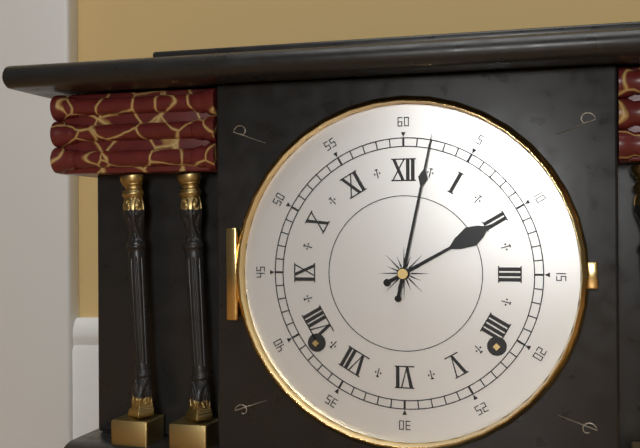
2:02
